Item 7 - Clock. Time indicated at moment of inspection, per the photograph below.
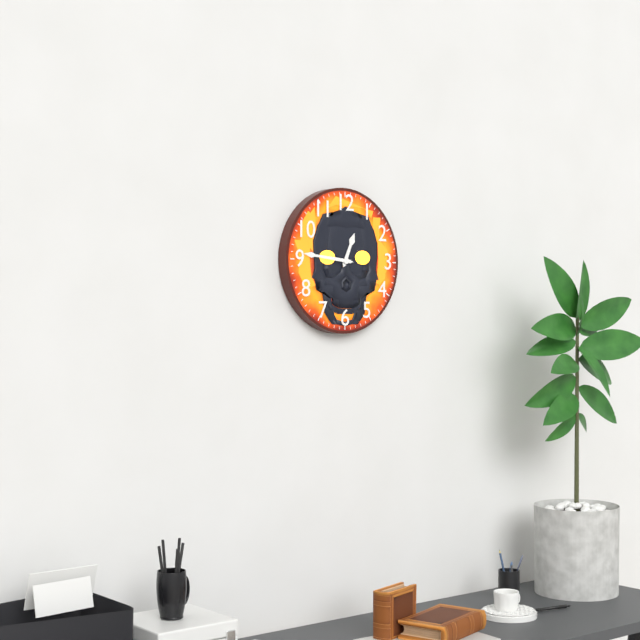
12:46
